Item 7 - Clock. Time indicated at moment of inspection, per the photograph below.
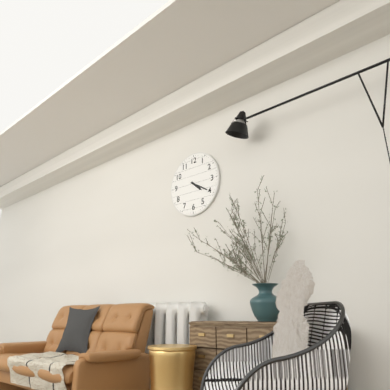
4:20
